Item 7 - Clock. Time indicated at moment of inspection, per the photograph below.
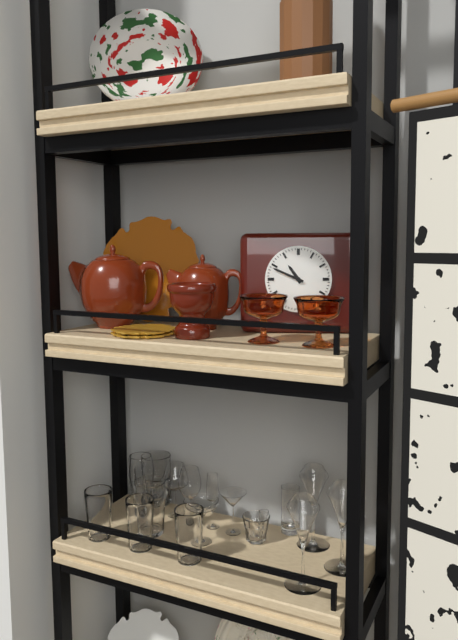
10:49
